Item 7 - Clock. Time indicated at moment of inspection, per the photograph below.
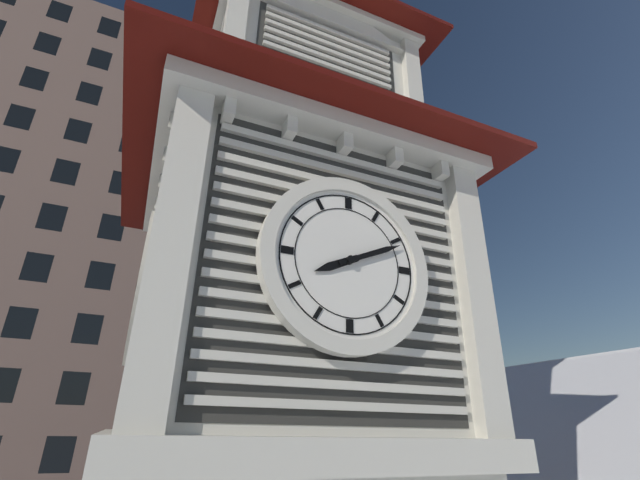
8:11
